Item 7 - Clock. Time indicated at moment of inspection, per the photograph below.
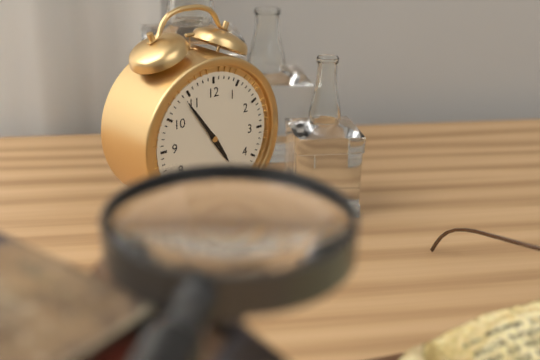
4:54
